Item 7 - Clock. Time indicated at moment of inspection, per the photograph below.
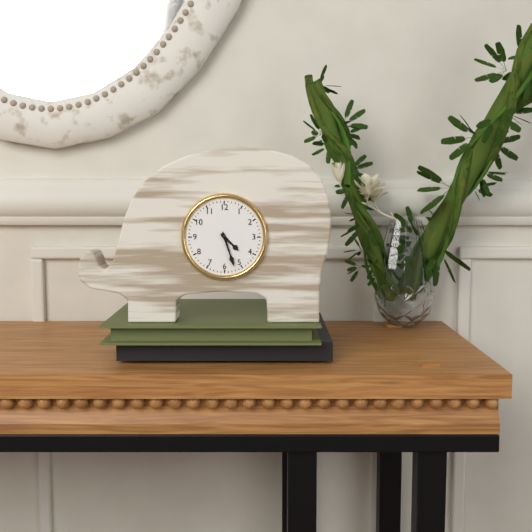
4:27
